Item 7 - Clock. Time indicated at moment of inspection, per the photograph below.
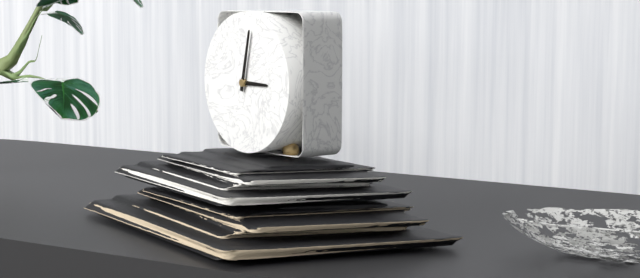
3:02
